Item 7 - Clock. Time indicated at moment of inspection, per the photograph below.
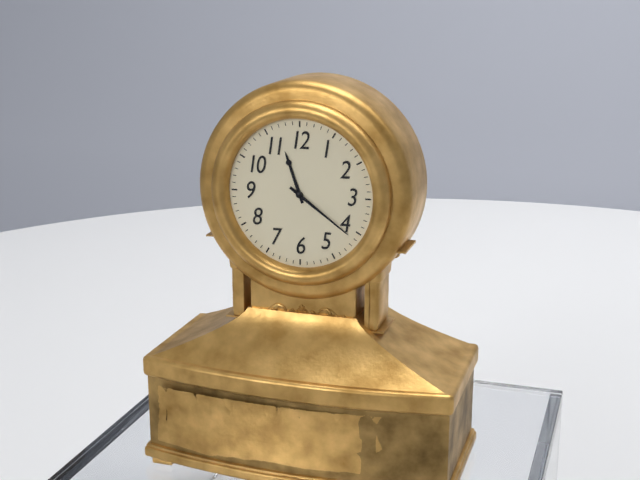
11:21
